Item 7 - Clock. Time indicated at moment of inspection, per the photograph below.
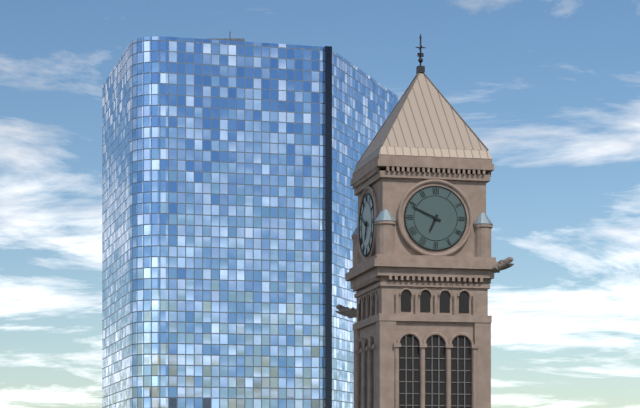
6:49
